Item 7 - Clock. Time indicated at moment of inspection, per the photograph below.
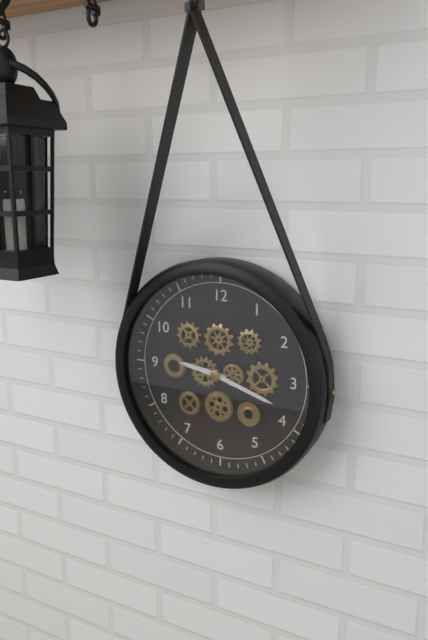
9:18
